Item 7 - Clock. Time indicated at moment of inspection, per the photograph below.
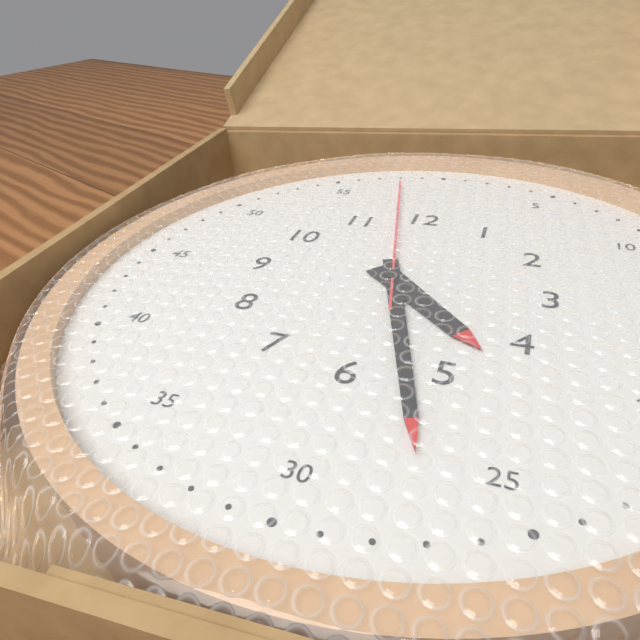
4:27:58
